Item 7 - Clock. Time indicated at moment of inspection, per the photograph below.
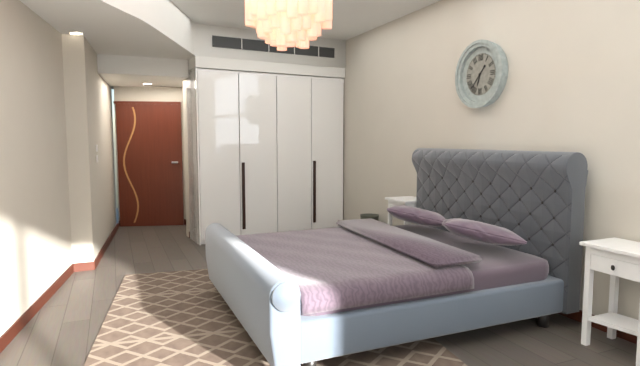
6:37
